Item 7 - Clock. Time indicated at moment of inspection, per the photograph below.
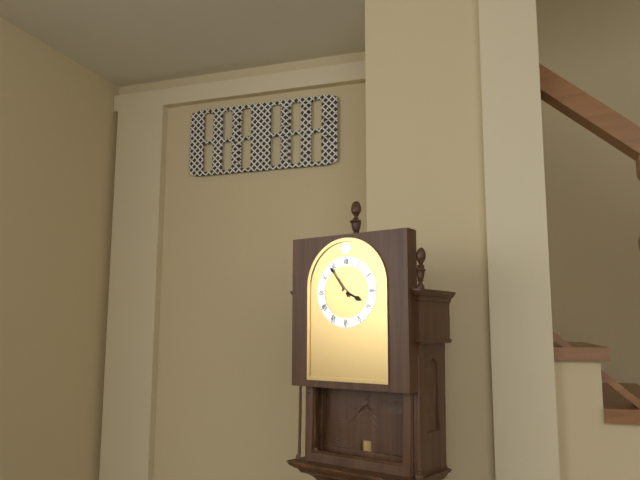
3:54
